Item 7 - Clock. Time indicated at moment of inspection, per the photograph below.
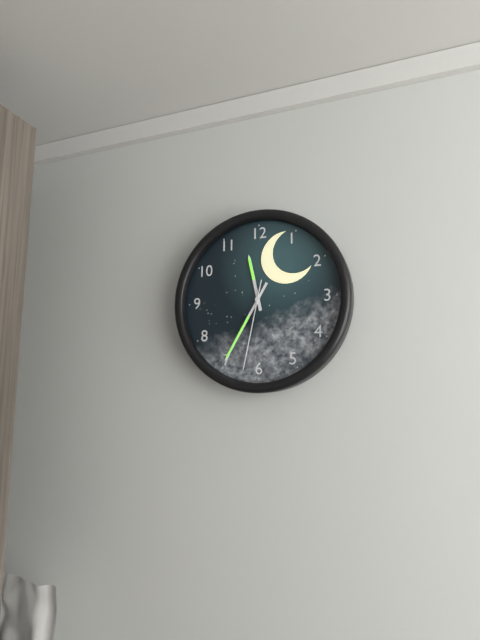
11:35:32
